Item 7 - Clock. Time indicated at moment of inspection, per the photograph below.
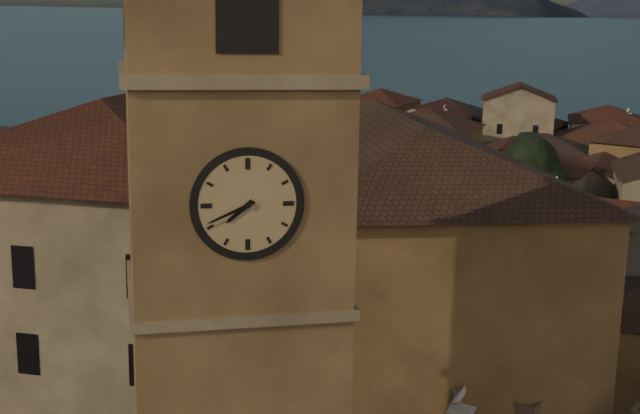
7:41
